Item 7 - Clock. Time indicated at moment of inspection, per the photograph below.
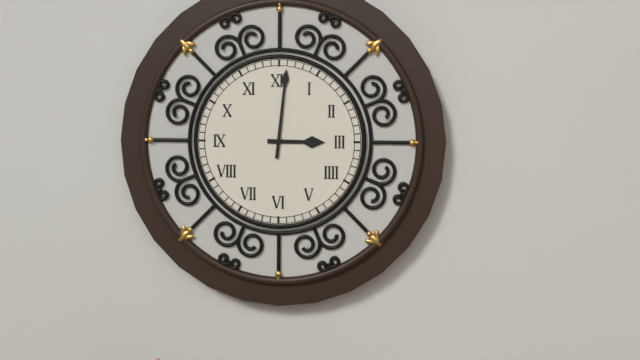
3:01
